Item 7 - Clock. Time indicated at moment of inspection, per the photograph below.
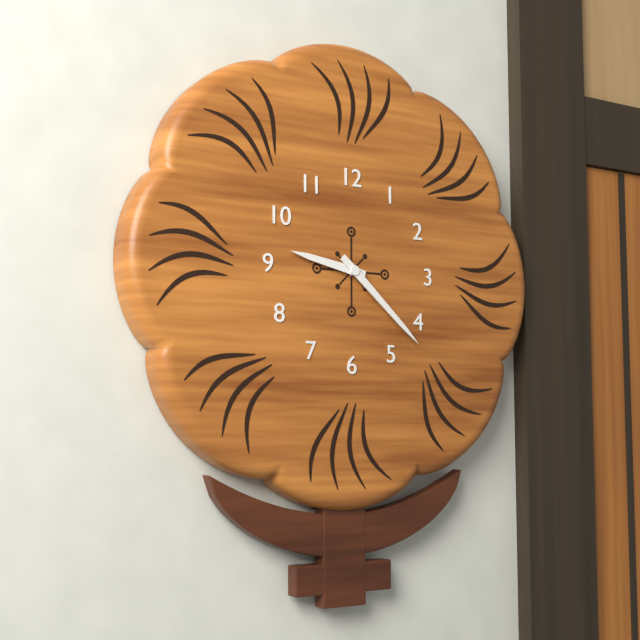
9:22
